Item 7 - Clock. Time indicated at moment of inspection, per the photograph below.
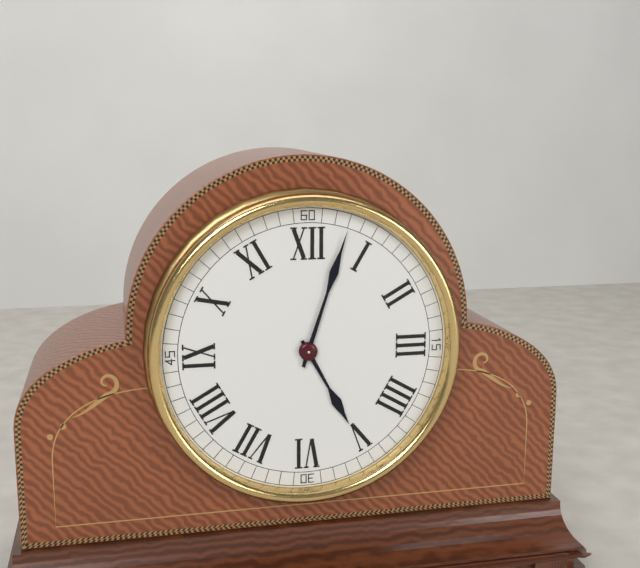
5:03
